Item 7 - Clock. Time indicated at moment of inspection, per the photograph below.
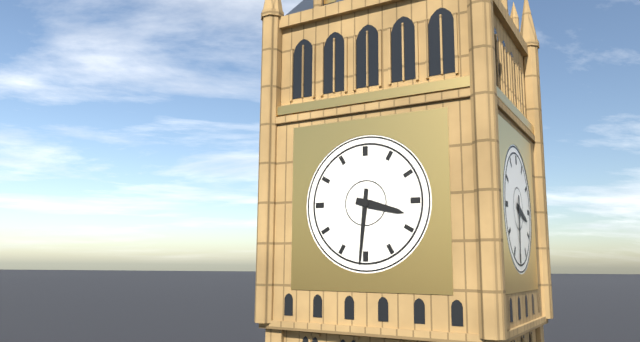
3:31
